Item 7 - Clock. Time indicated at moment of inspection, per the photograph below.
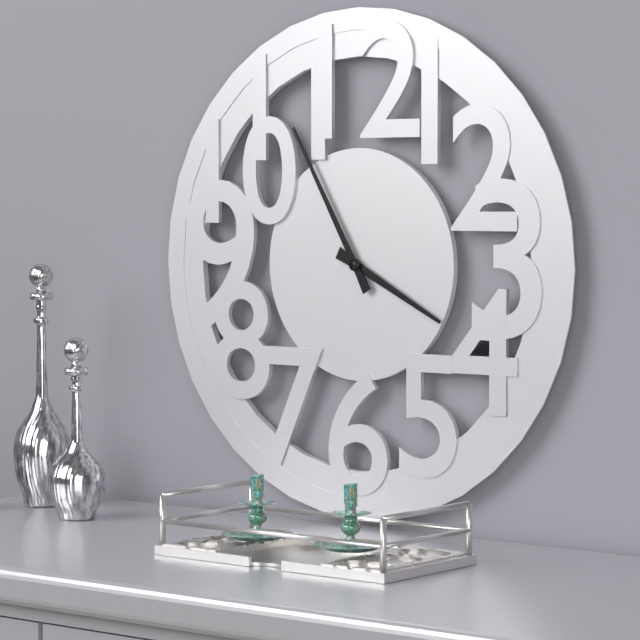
3:55
